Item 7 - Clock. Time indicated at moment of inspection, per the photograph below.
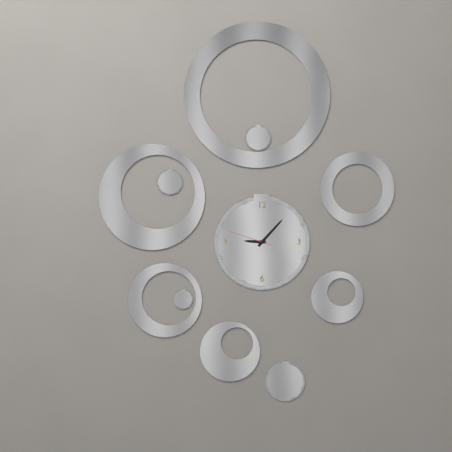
9:07
